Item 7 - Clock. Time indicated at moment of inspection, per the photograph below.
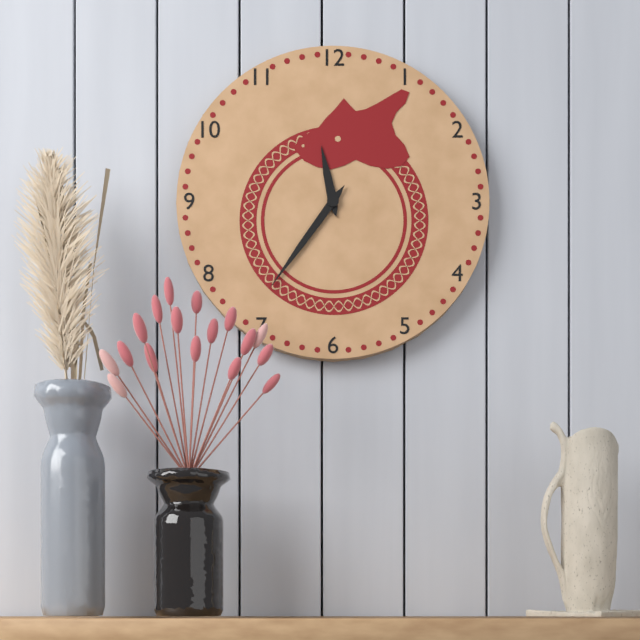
11:36
